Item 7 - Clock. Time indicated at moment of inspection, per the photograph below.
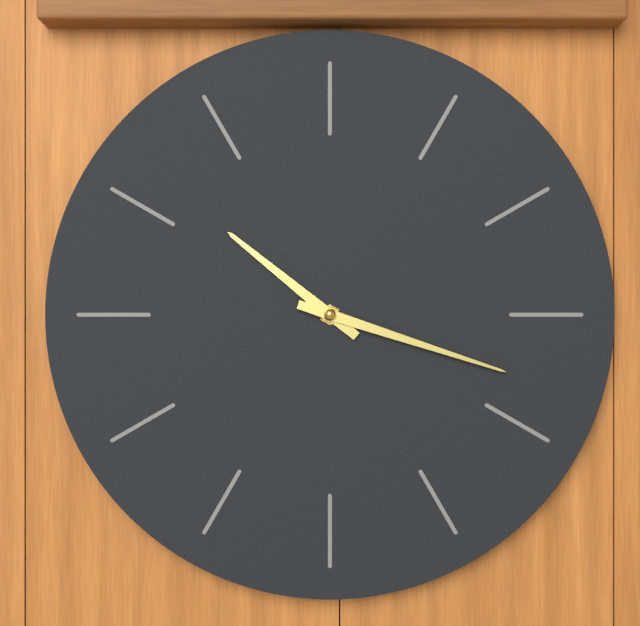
10:18
